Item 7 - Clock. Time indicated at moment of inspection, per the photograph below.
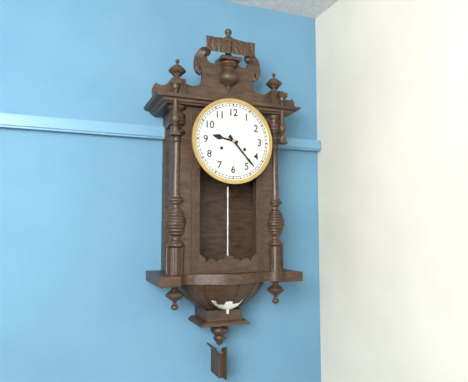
9:23
